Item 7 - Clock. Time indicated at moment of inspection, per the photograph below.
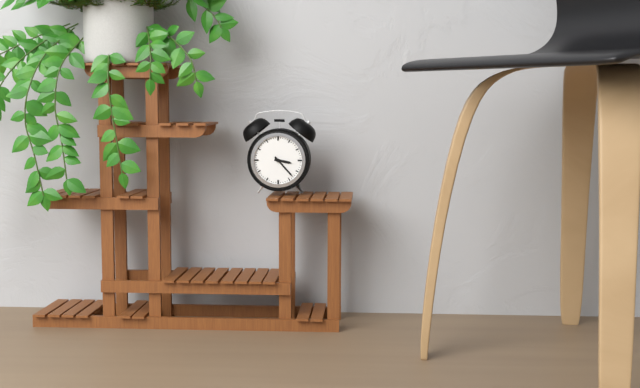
3:23
